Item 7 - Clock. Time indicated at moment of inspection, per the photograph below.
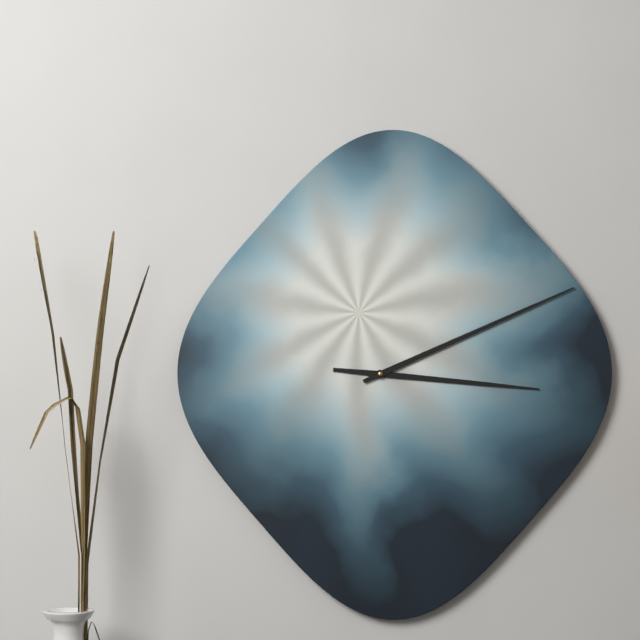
3:11
